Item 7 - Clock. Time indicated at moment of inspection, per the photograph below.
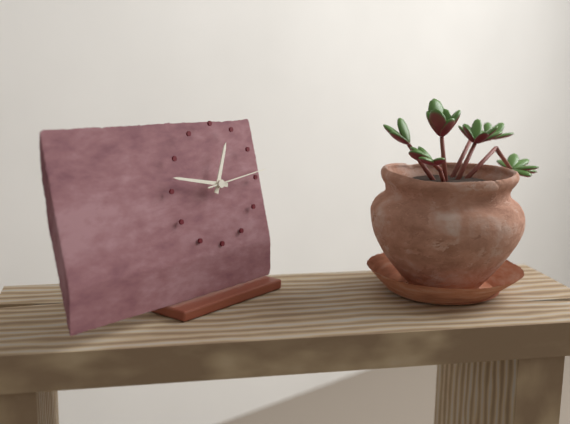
12:47:14
